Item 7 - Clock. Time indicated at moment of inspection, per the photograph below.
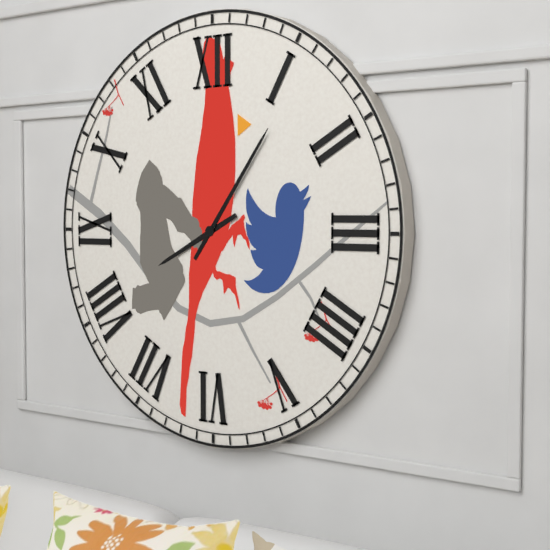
8:06
